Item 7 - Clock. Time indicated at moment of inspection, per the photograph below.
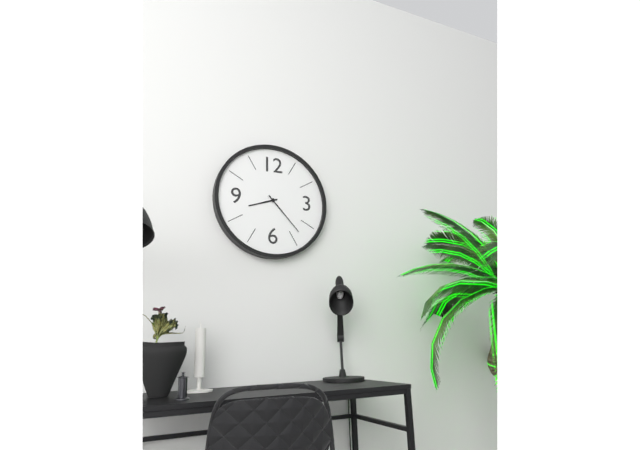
8:23
